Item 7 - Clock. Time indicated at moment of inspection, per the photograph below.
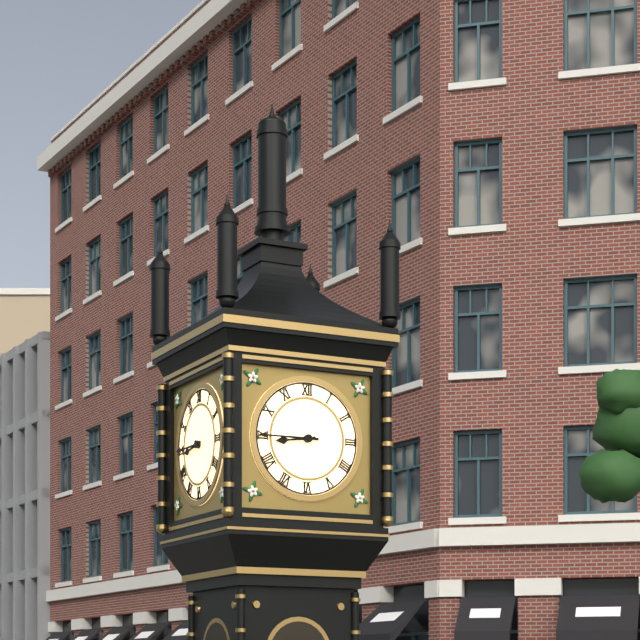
8:45
